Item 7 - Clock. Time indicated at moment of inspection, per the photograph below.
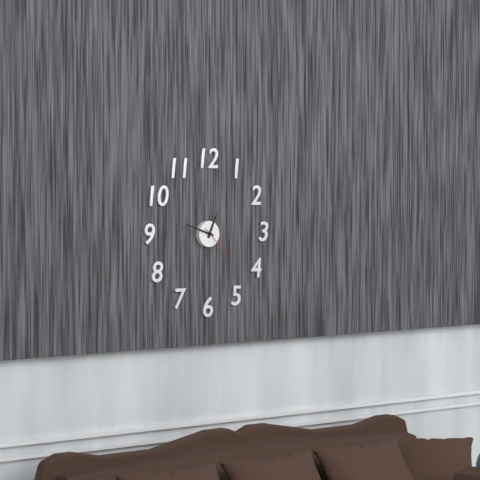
12:48
